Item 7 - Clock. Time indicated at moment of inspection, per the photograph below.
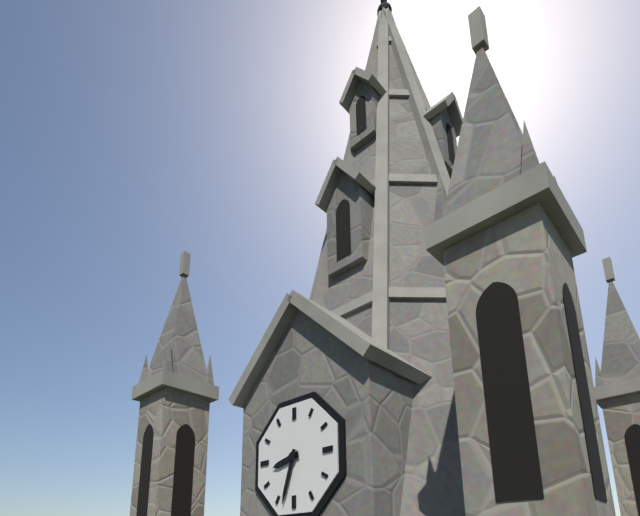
8:33
